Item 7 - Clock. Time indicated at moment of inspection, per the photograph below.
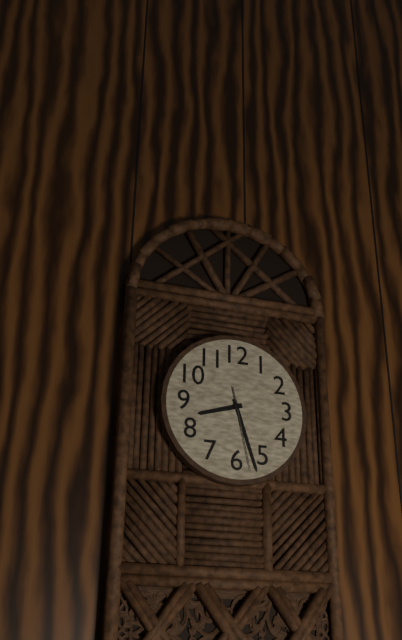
8:27:28
